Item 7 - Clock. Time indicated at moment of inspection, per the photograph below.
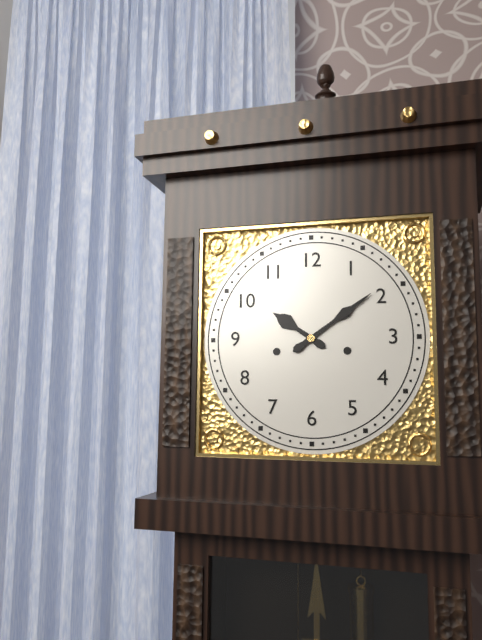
10:09
